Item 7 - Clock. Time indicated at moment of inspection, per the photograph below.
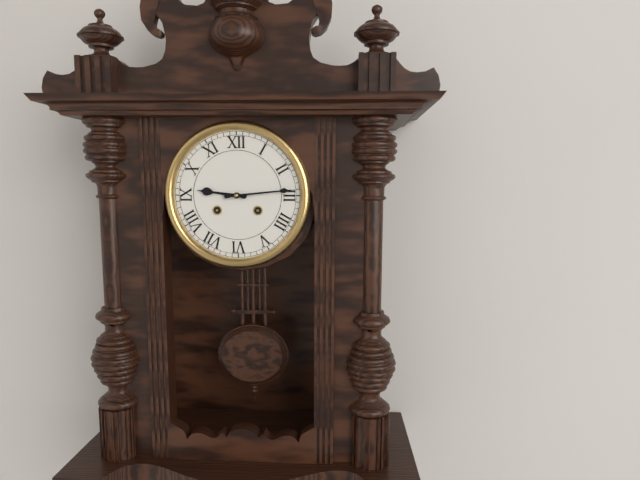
9:14
